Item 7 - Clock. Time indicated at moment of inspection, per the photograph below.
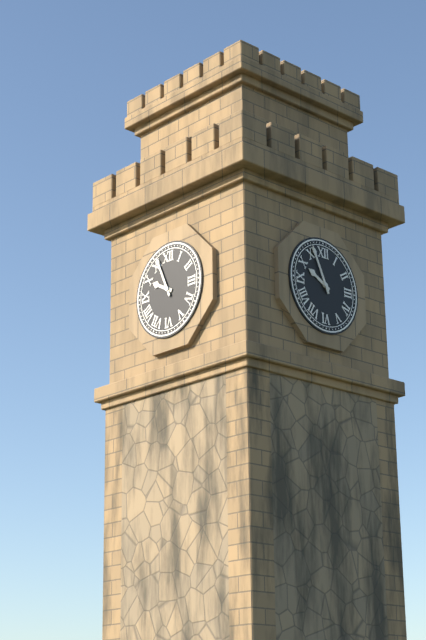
9:56
